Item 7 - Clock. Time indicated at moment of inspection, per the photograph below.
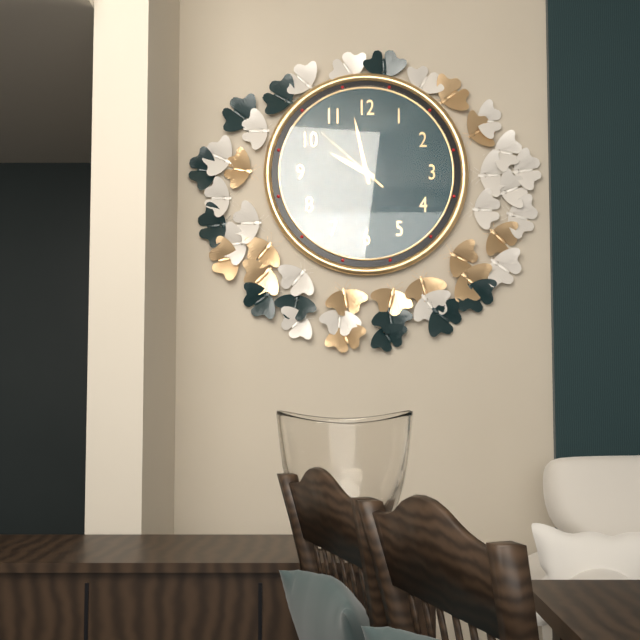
9:58:52
